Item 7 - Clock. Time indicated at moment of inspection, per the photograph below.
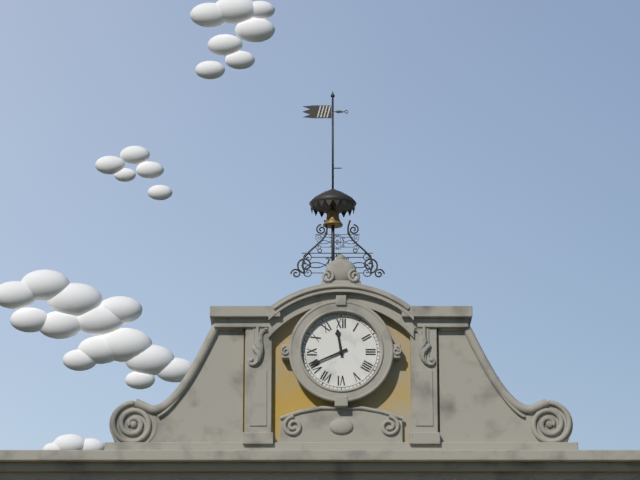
11:41
